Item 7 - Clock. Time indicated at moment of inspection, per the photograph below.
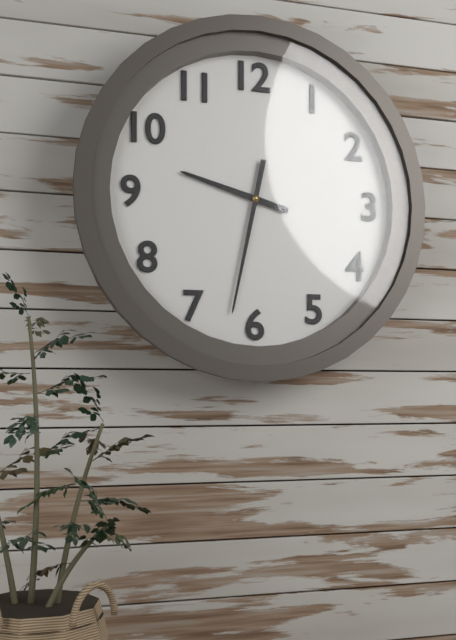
9:32
